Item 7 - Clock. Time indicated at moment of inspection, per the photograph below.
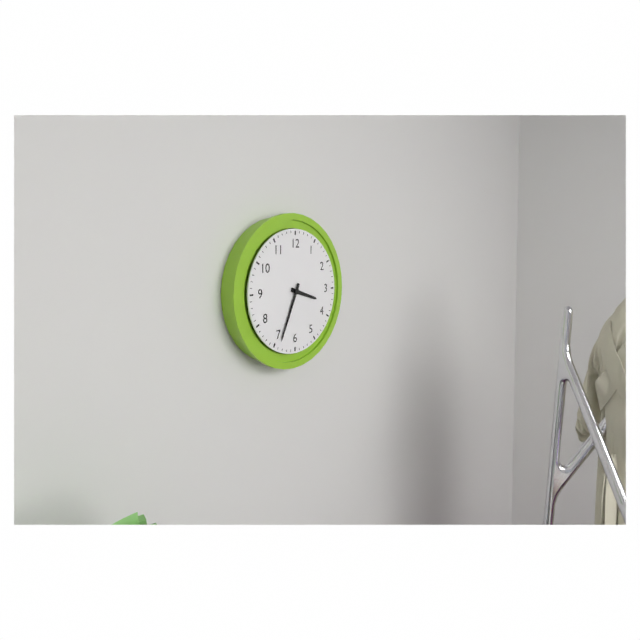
3:34
